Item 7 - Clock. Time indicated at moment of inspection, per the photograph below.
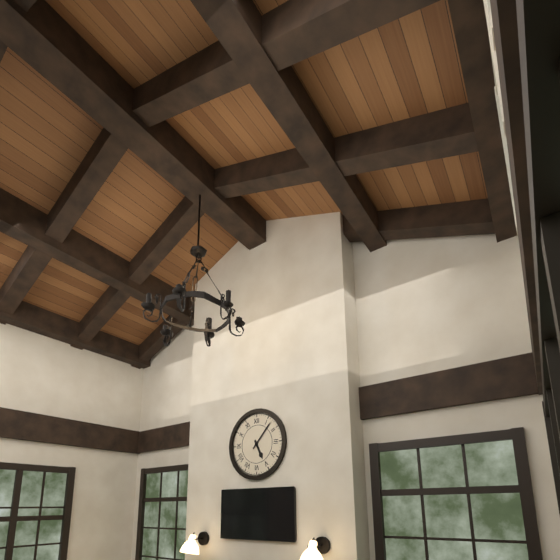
5:07
